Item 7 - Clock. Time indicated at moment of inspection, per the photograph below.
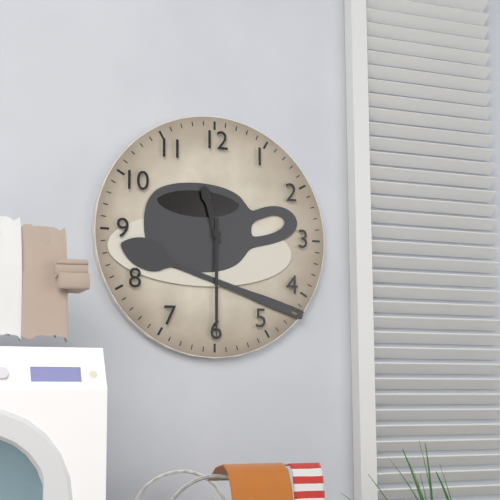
11:30
